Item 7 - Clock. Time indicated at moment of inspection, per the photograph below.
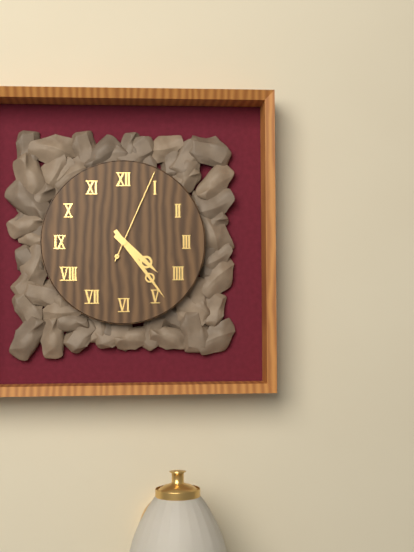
4:24:04
